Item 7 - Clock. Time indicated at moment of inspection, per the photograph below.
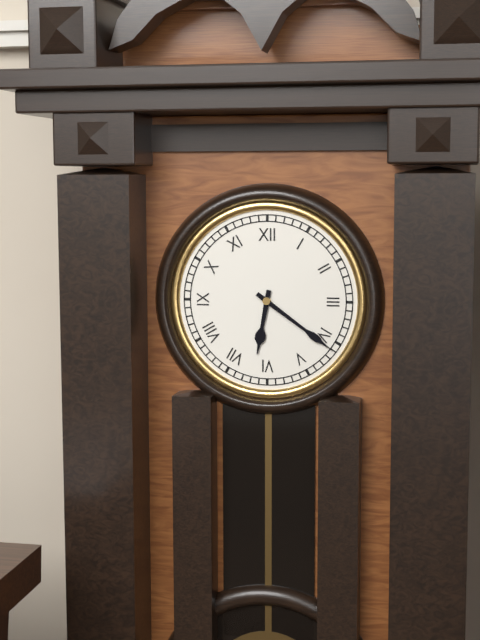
6:21
